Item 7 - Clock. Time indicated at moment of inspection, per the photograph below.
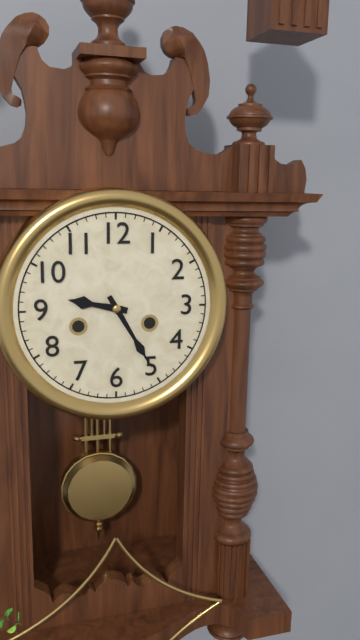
9:25
